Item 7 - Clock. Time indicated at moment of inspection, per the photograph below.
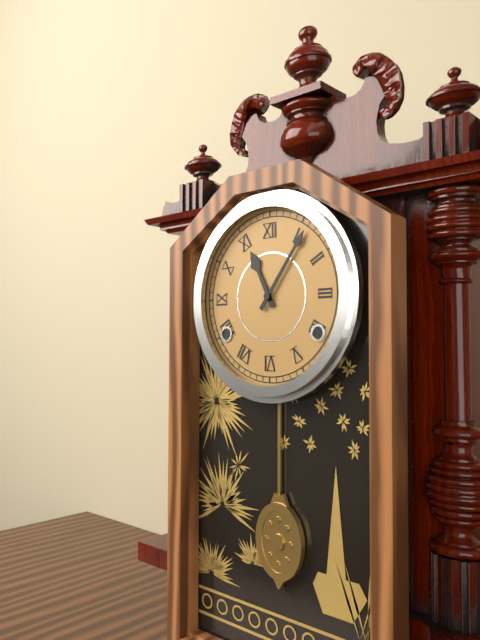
11:06
